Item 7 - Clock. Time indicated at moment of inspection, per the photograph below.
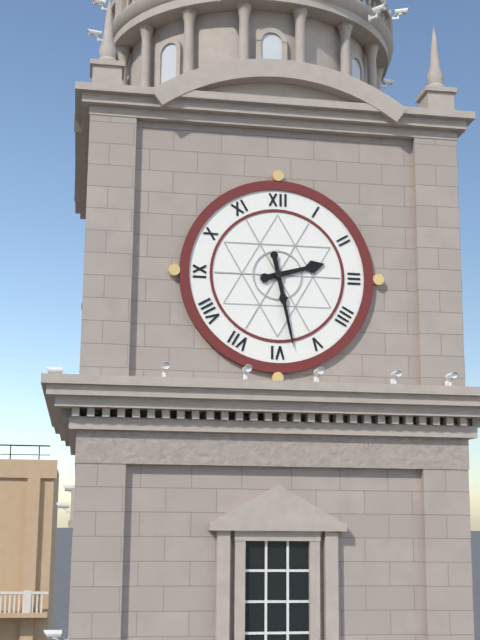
2:28
